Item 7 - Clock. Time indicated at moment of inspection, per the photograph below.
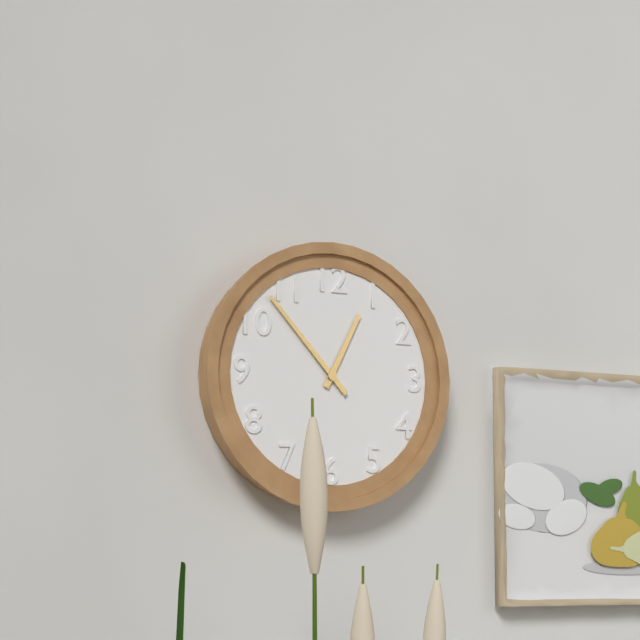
12:53
